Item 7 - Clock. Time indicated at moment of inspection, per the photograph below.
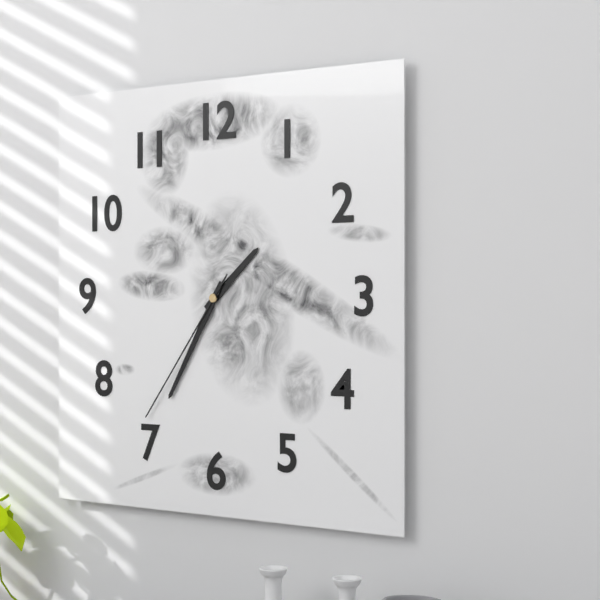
1:35:36
